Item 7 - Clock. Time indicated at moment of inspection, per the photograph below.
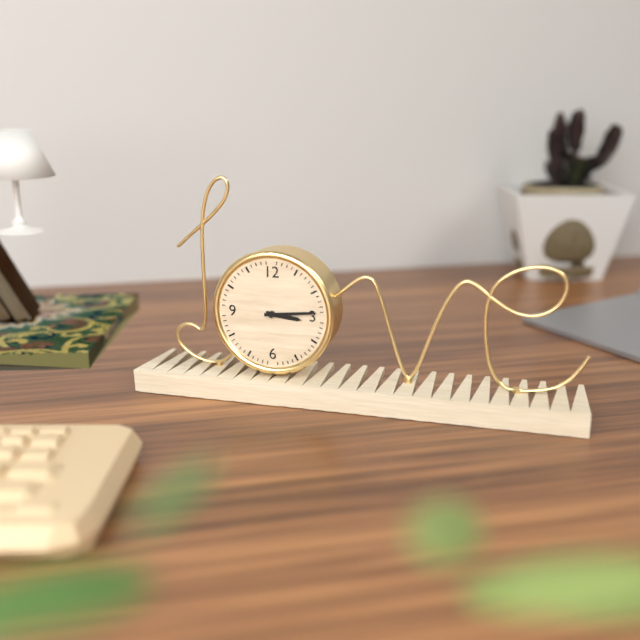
3:14
